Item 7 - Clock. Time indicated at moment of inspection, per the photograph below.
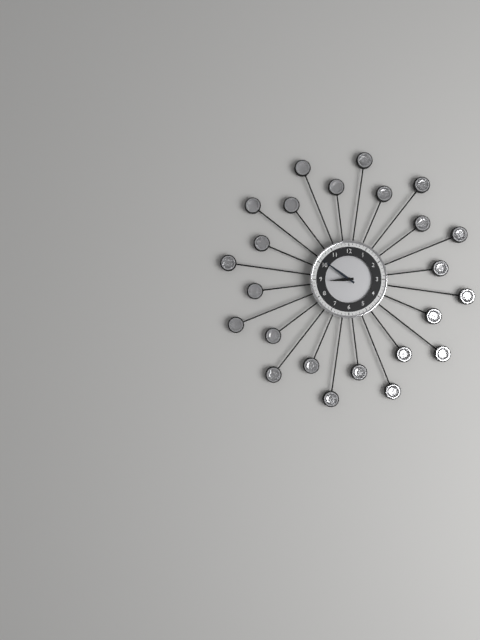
8:51
